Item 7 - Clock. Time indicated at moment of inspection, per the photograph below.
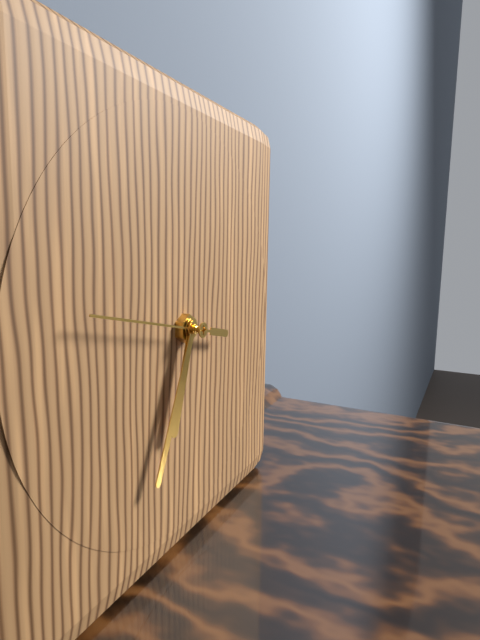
6:34:47
